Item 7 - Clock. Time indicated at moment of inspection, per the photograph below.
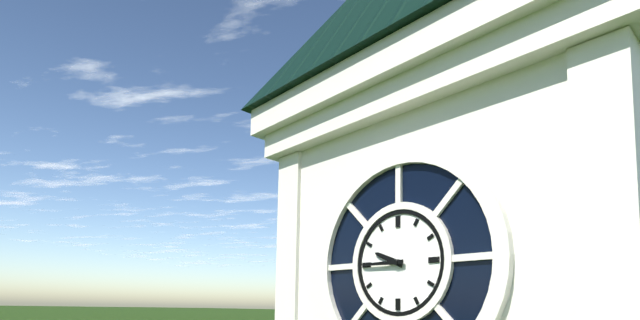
9:45
